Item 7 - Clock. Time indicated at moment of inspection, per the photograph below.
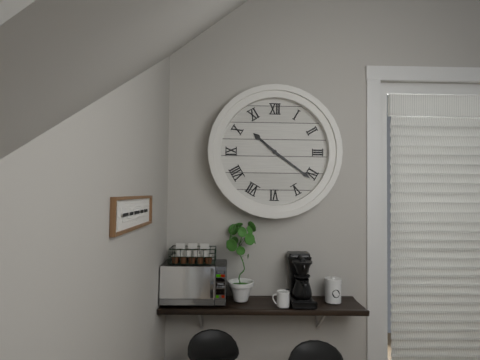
10:21
